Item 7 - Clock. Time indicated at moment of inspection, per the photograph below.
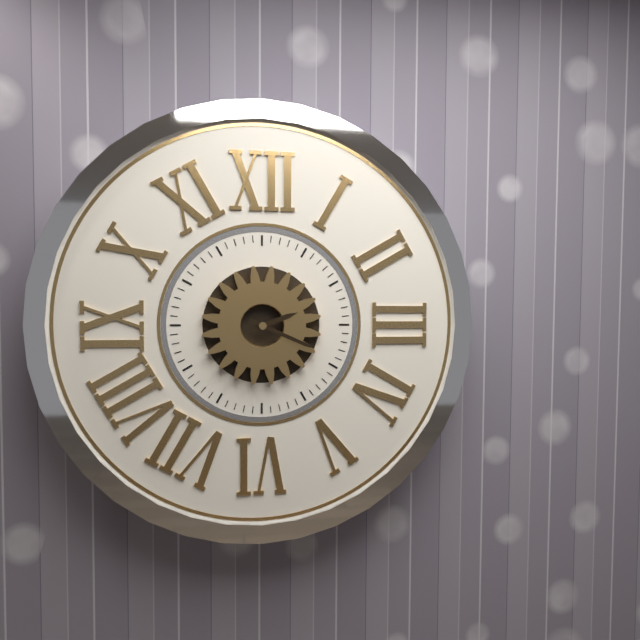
2:19
